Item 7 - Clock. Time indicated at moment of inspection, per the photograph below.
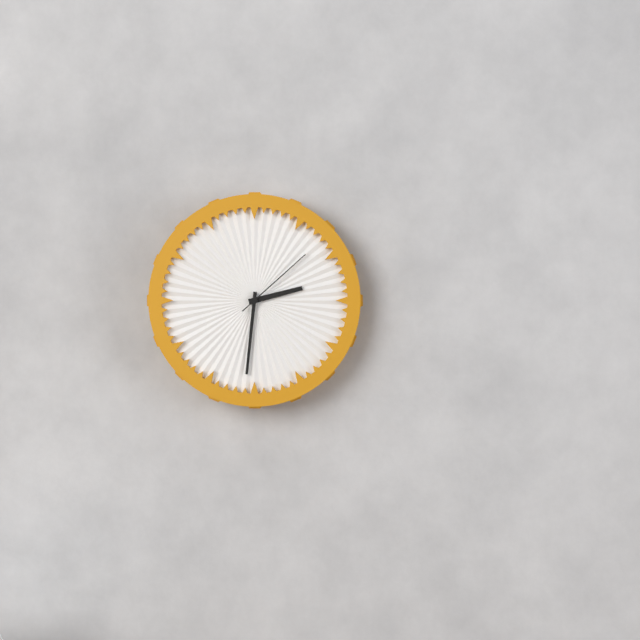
2:31:08
